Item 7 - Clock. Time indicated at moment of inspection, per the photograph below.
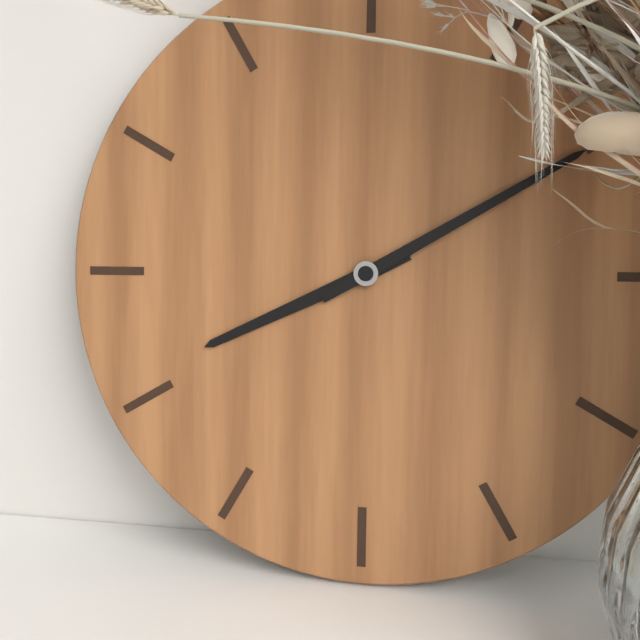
8:10
